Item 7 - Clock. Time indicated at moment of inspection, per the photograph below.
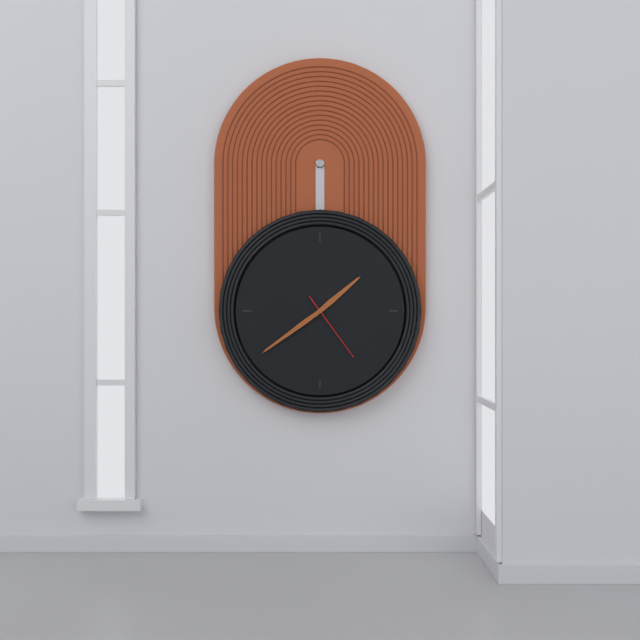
1:39:24
